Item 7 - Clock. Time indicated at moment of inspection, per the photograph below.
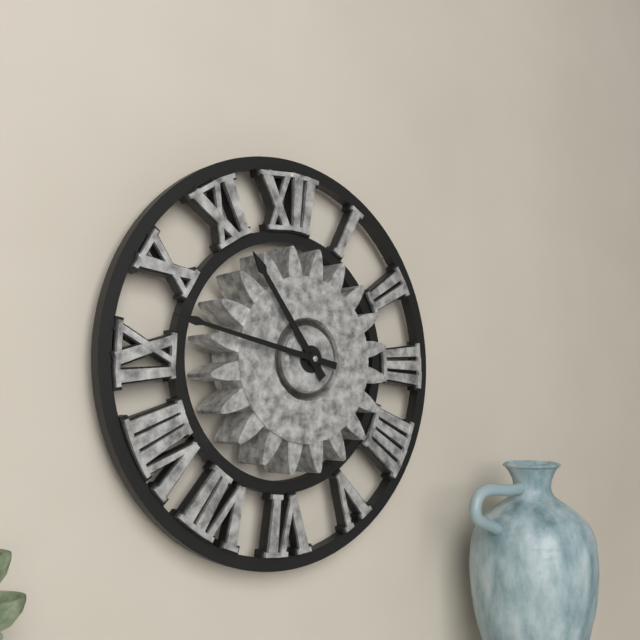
10:47
